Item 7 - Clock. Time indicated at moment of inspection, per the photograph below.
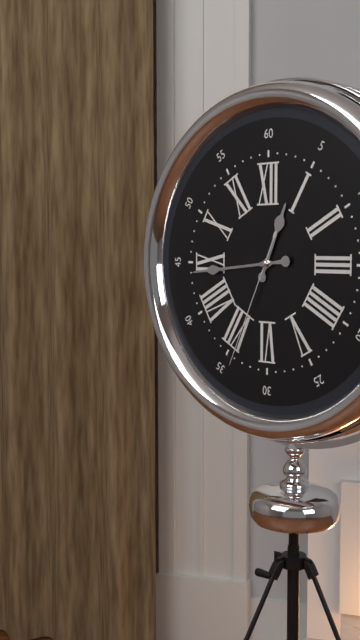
12:44:34
